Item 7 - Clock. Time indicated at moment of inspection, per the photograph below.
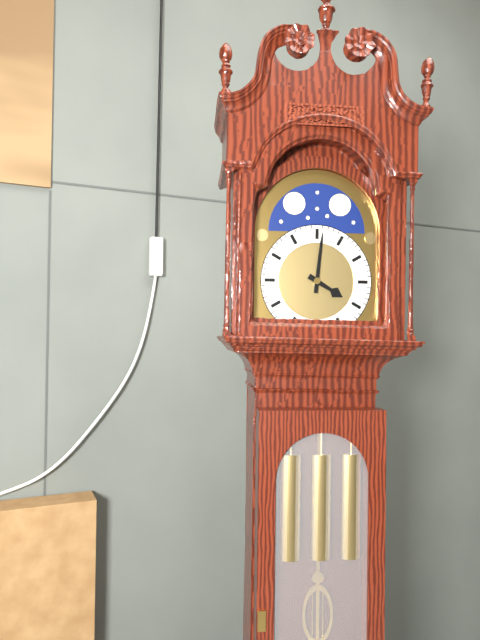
4:01
